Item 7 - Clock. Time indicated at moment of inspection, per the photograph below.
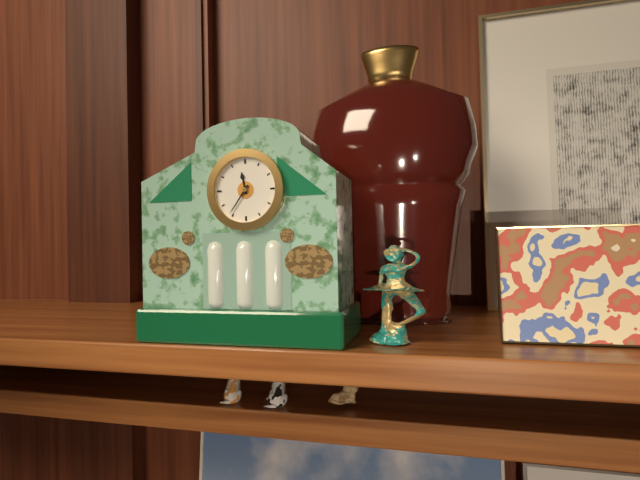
11:36
